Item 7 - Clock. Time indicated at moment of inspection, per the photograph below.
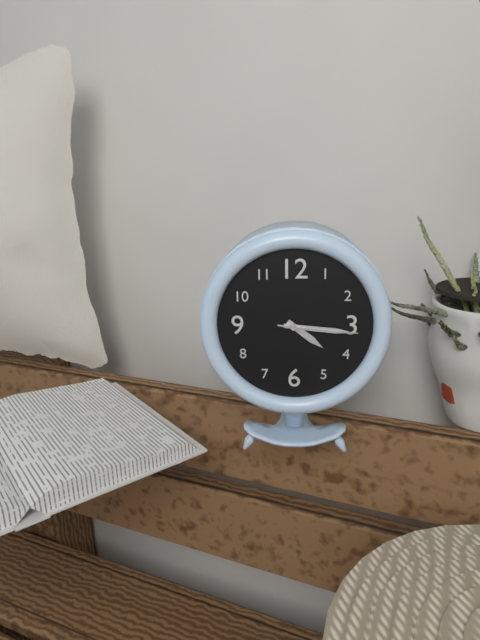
4:16:16
